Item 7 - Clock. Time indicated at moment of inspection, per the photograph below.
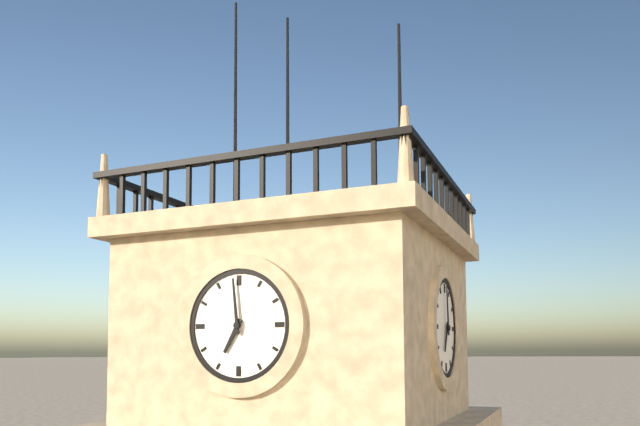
6:59
